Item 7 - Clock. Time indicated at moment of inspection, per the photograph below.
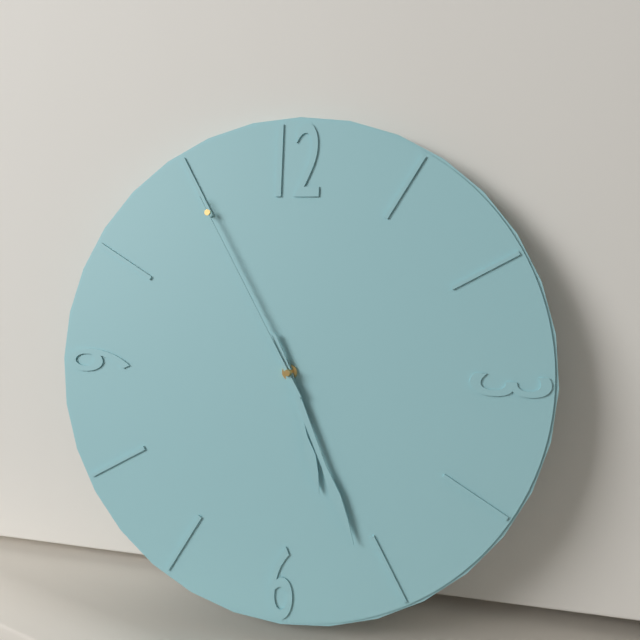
5:26:55
